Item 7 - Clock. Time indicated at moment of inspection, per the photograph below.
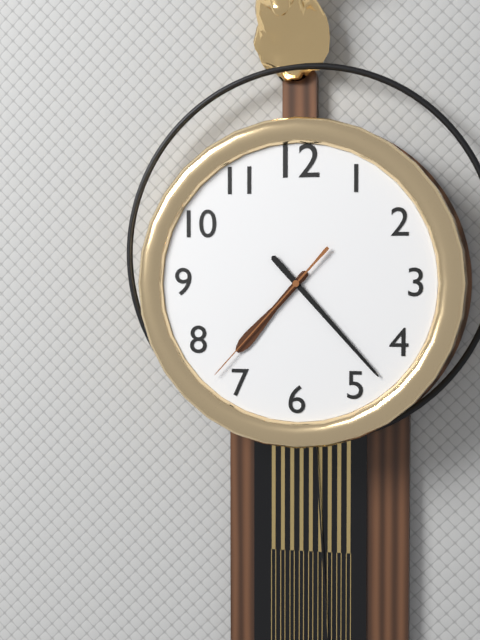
7:23:37
